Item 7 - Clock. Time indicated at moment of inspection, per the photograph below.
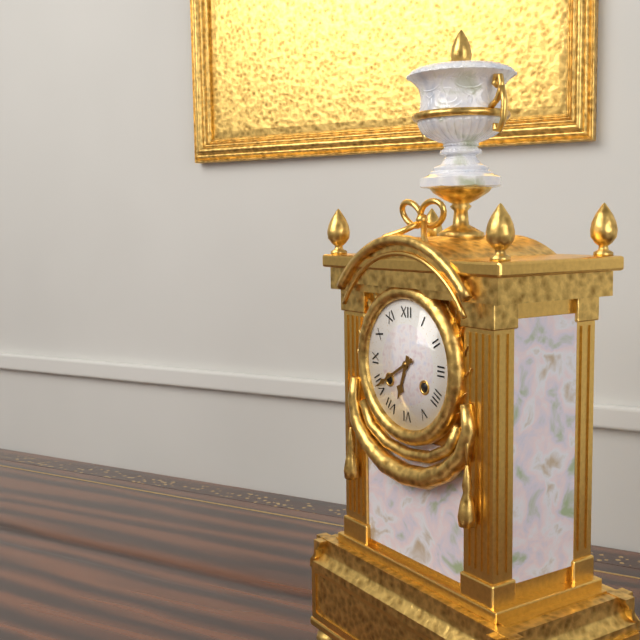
6:40
